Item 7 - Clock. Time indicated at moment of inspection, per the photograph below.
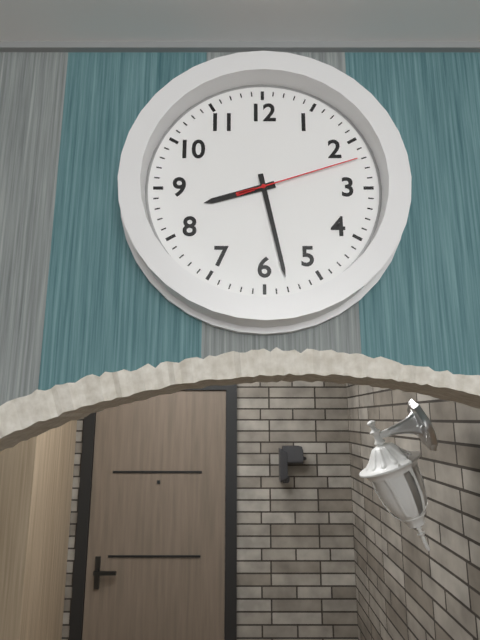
8:28:12
